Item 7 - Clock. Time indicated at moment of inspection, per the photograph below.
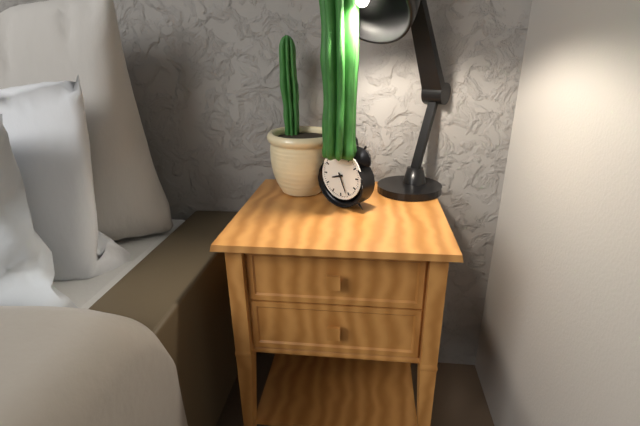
8:26
